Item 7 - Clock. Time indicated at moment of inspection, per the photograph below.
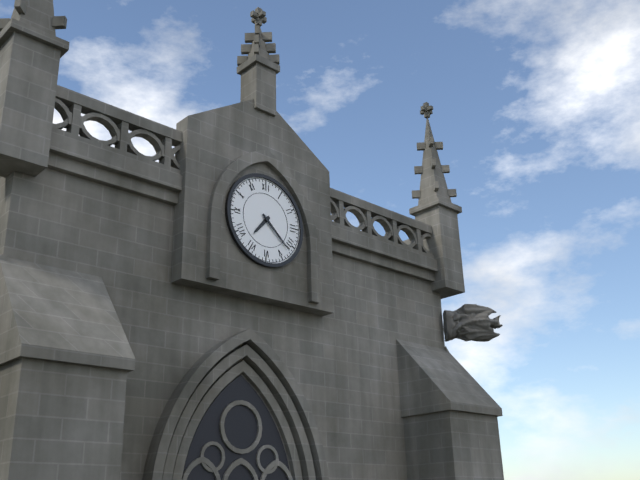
7:22
